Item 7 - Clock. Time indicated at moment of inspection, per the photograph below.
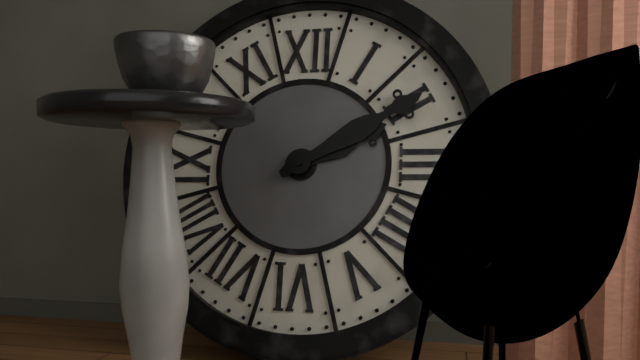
2:10
